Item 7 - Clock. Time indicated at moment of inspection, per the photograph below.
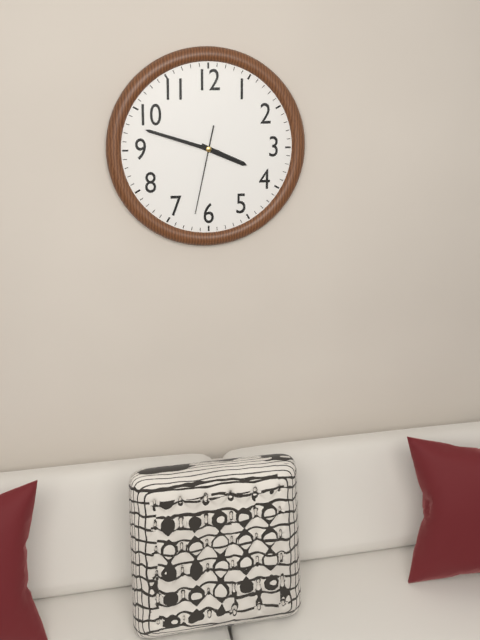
3:48:32
